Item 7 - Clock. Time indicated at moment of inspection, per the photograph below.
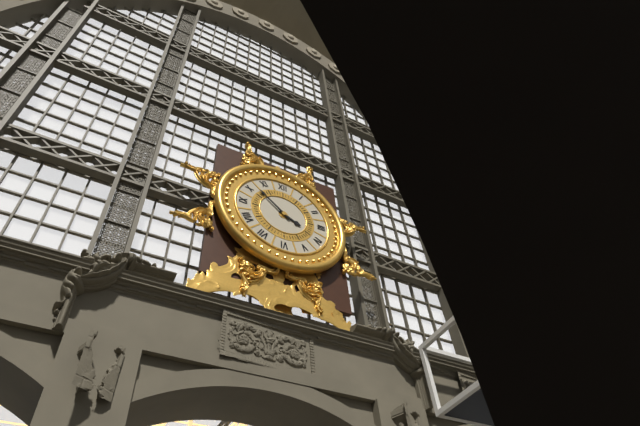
3:52
